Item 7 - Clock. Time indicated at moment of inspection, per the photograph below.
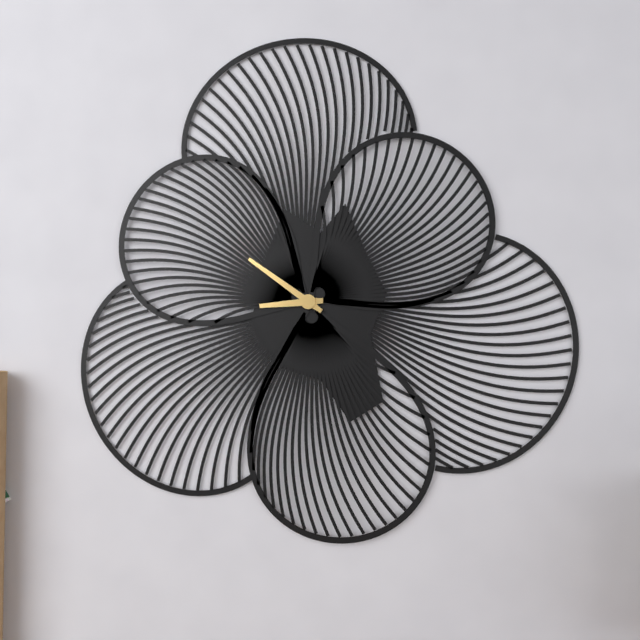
8:51
